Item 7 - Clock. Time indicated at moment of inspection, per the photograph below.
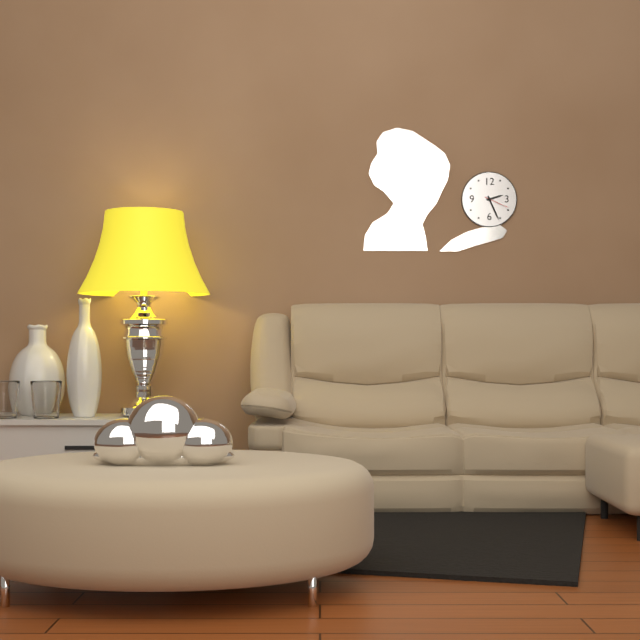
2:26
